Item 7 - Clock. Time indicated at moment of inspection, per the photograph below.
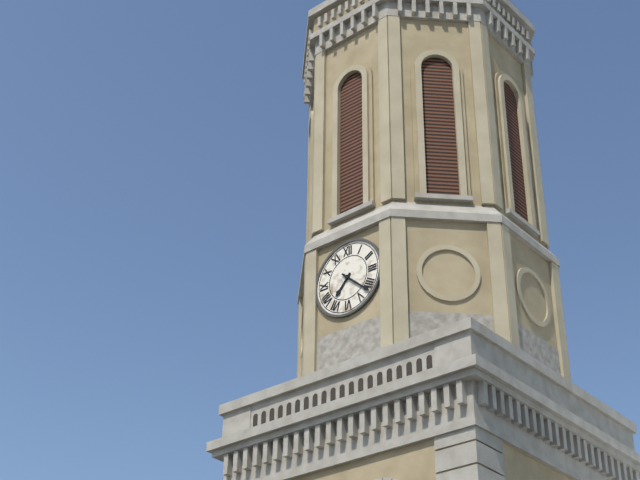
7:22
